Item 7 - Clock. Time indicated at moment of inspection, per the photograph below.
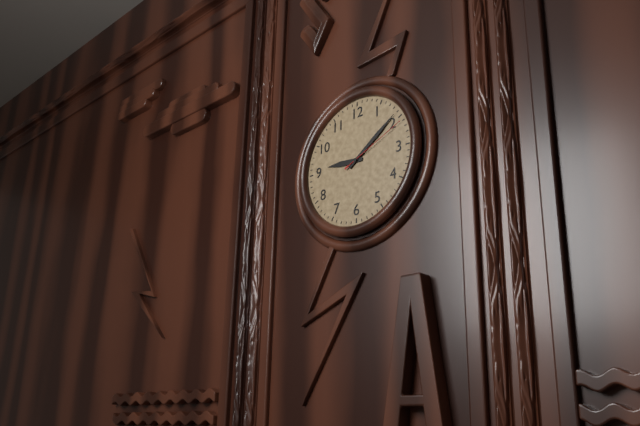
9:09:11
